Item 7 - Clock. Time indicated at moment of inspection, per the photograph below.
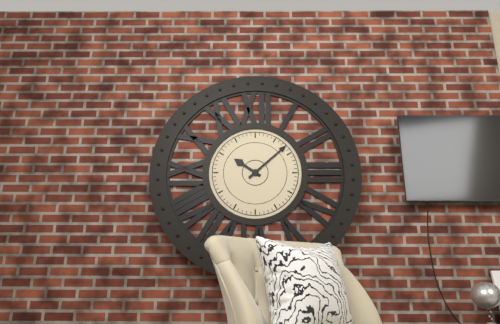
10:08
